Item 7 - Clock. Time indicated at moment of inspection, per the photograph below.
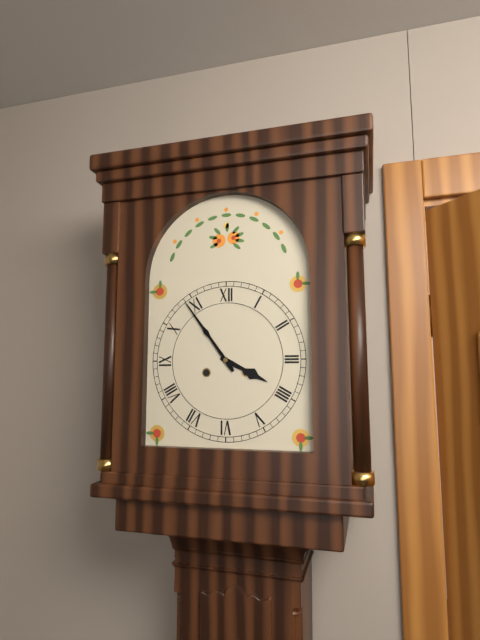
3:54
